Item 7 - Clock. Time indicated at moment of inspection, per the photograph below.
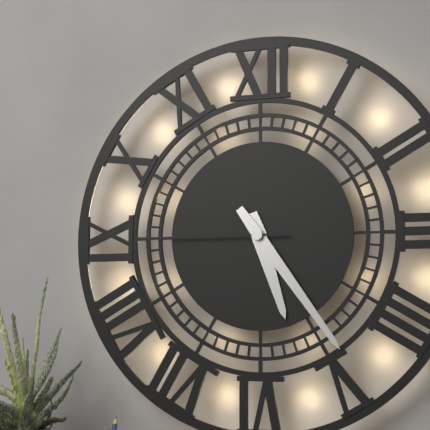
5:24:45
